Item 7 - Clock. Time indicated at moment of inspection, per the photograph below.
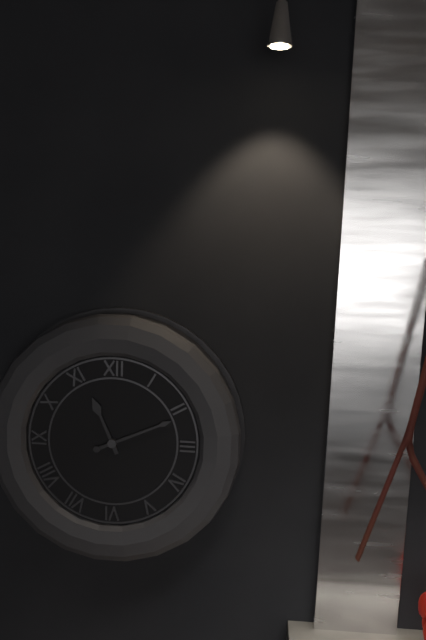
11:11
